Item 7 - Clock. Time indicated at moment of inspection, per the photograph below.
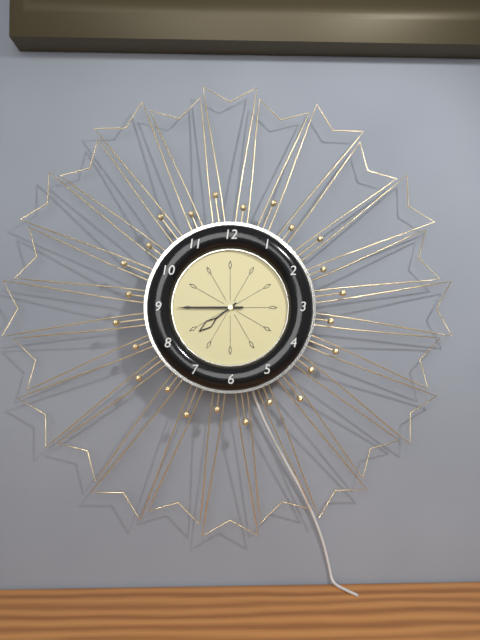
7:45
